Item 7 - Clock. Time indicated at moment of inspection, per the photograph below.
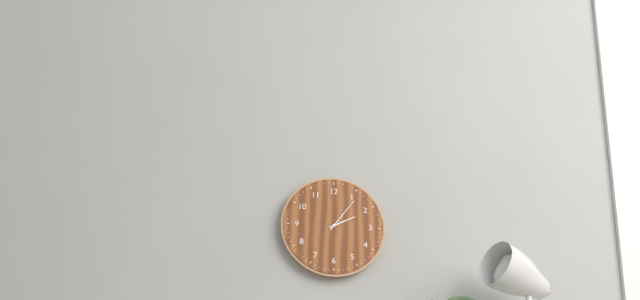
2:06
